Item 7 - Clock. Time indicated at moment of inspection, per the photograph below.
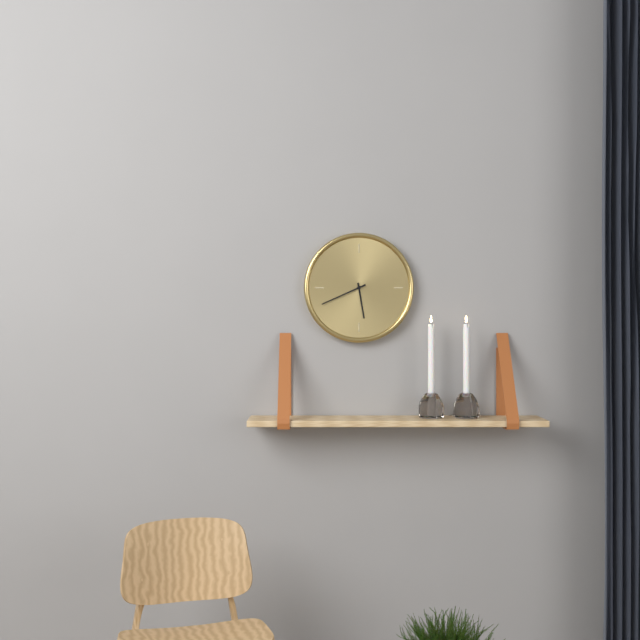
5:41
